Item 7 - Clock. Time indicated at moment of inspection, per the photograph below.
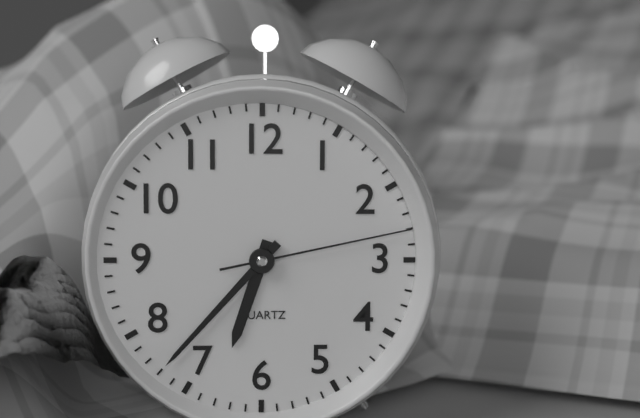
6:37:13
